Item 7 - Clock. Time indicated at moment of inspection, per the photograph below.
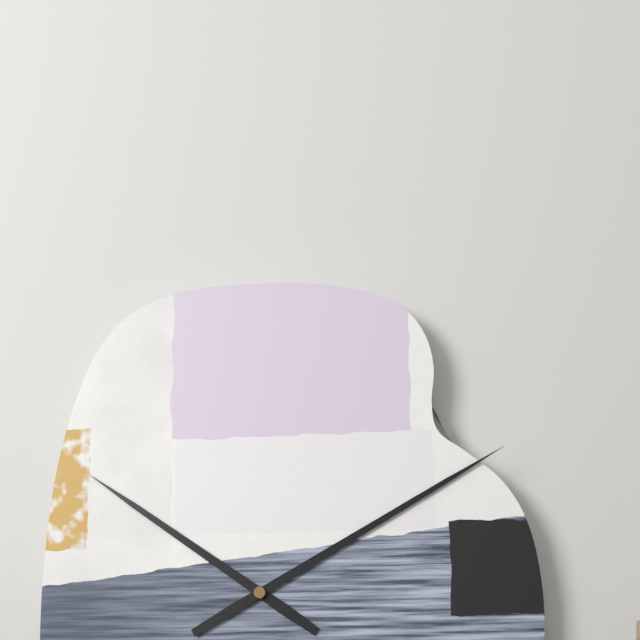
10:10
